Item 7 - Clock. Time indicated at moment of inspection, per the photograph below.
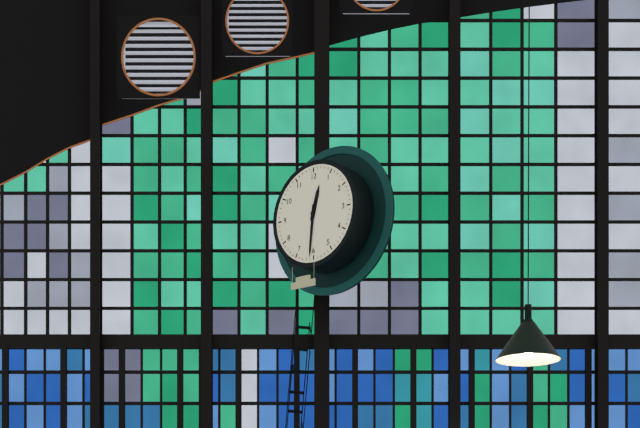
12:31
